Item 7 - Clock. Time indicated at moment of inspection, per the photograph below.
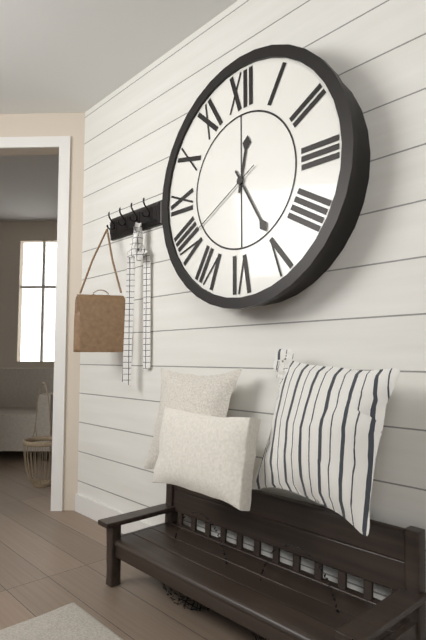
12:25:40
